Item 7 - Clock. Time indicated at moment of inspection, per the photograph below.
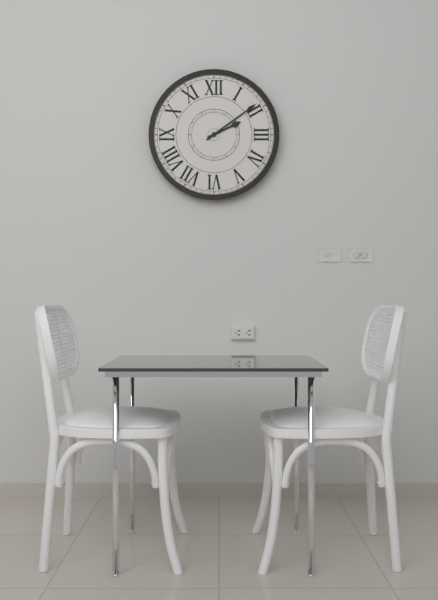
2:09
